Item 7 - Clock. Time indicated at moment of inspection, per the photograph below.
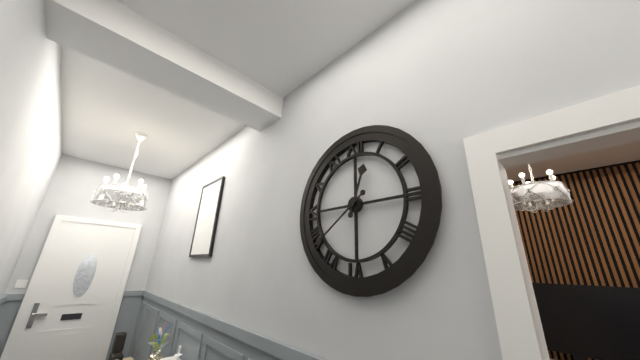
12:39
